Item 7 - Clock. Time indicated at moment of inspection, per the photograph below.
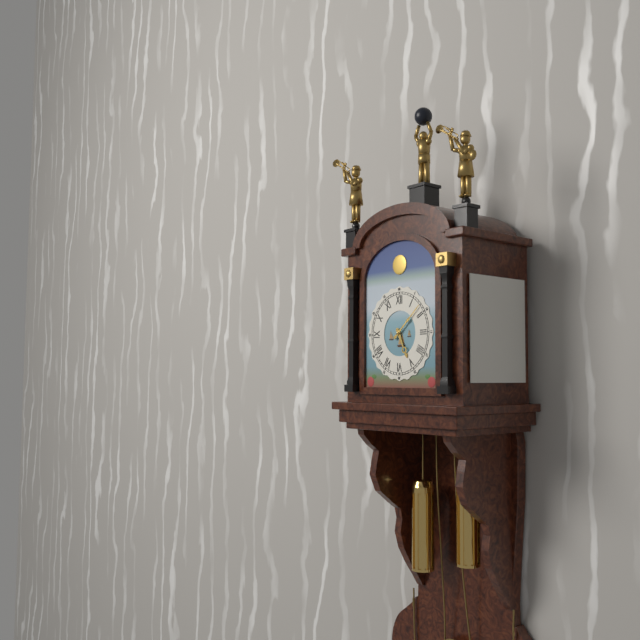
5:08
